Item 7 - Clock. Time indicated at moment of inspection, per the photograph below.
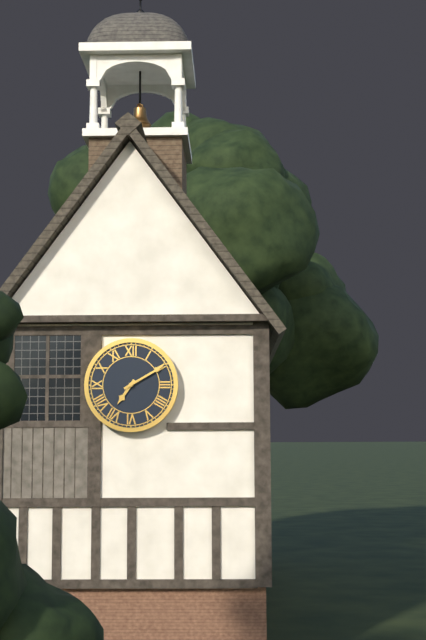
7:10
